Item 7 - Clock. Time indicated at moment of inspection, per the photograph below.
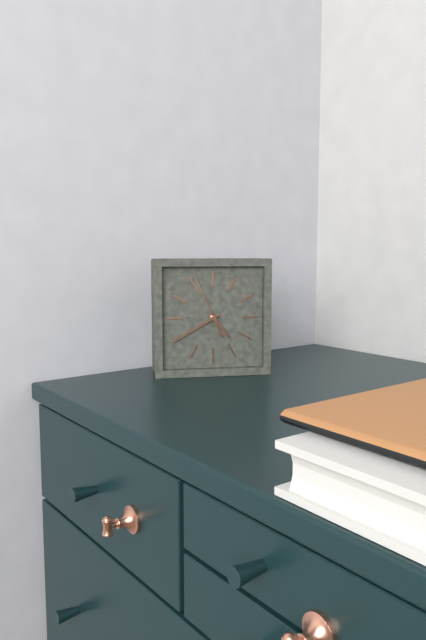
4:40:56
